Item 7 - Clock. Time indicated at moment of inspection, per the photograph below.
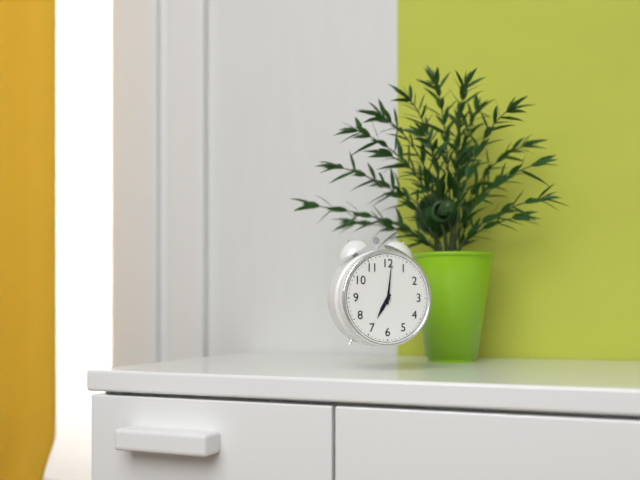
7:01
